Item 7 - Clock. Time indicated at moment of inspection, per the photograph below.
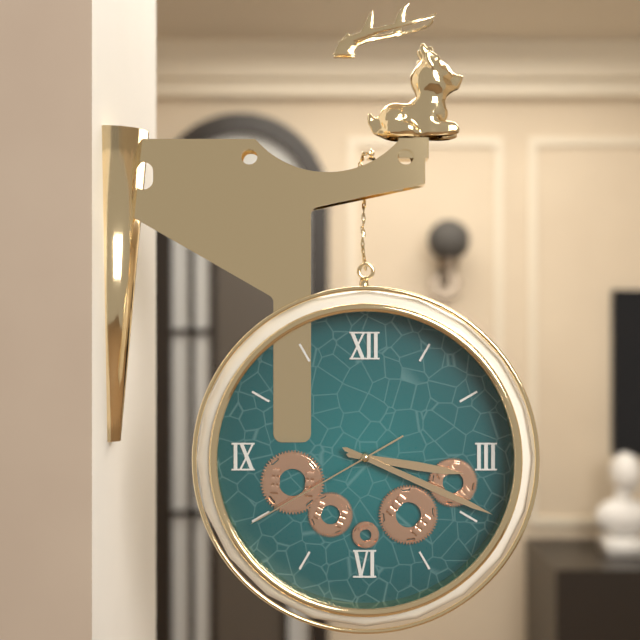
3:19:40
